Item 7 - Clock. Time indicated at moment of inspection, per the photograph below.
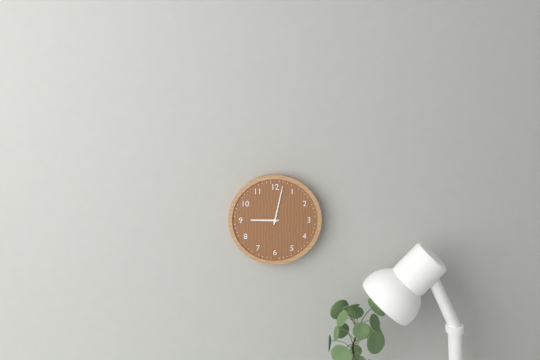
9:02
